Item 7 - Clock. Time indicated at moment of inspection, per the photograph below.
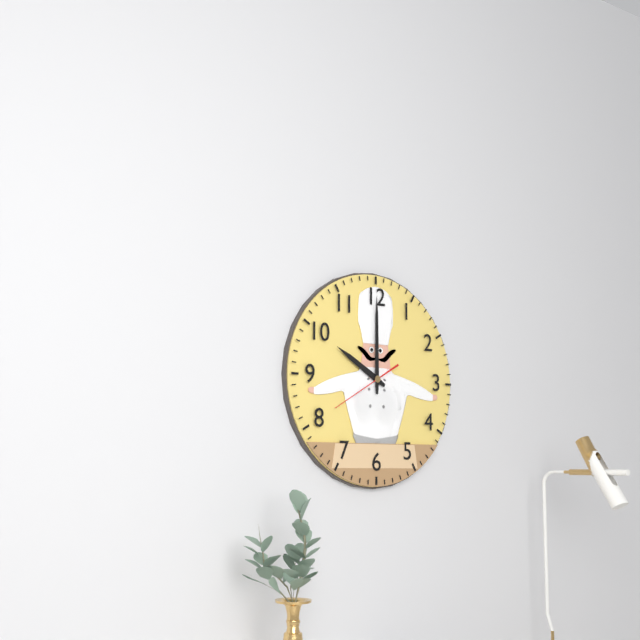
10:00:40
